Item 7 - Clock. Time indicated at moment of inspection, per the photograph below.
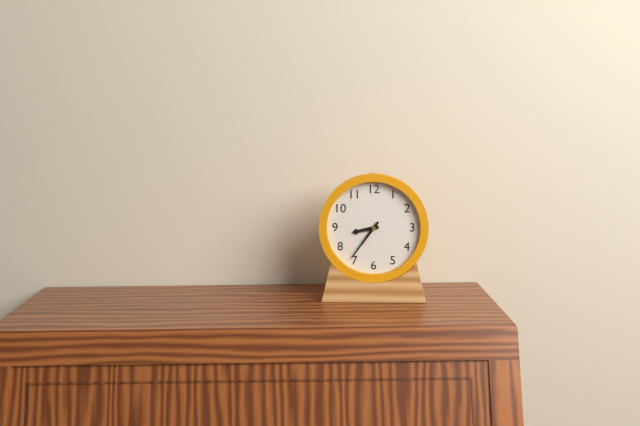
8:36
